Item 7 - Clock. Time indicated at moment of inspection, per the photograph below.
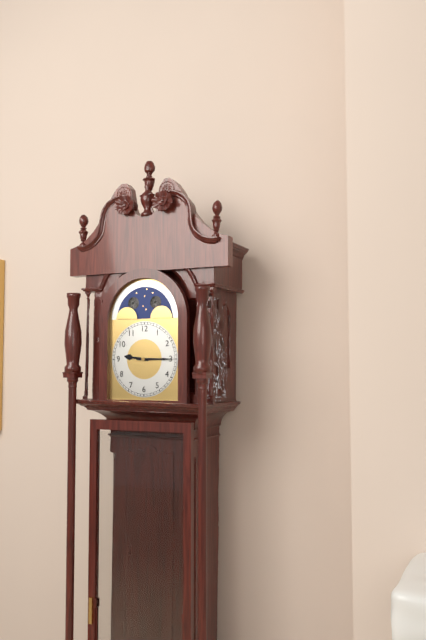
9:15
